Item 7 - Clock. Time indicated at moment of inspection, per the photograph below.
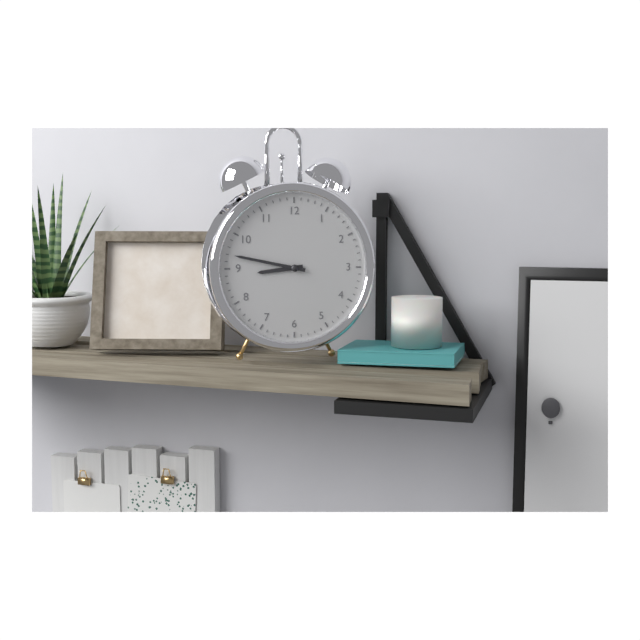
8:47
